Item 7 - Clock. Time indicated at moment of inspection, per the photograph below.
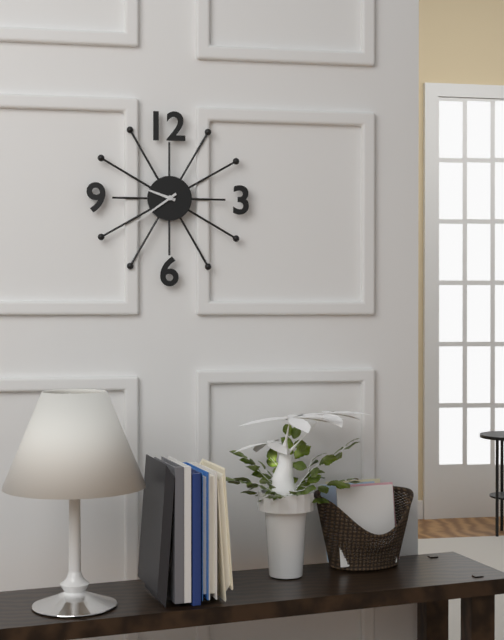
9:39
